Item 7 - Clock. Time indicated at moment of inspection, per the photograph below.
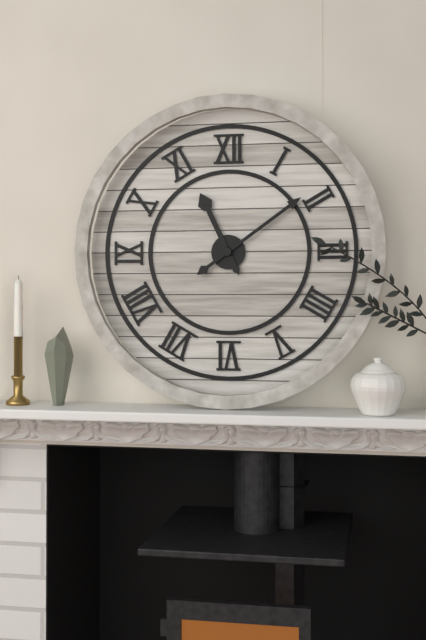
11:09
